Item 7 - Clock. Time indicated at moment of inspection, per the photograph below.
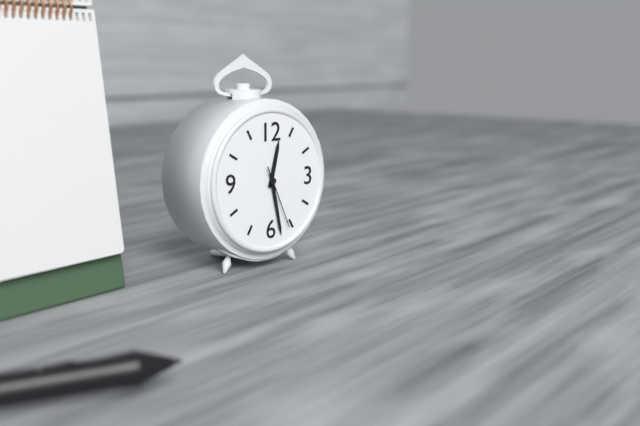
12:28:26
